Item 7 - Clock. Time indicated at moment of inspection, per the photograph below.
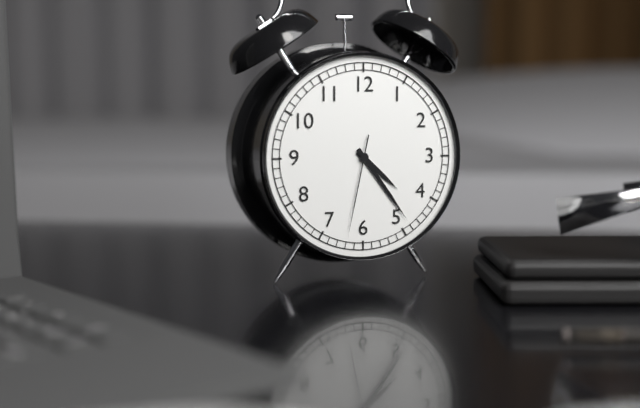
4:24:32
